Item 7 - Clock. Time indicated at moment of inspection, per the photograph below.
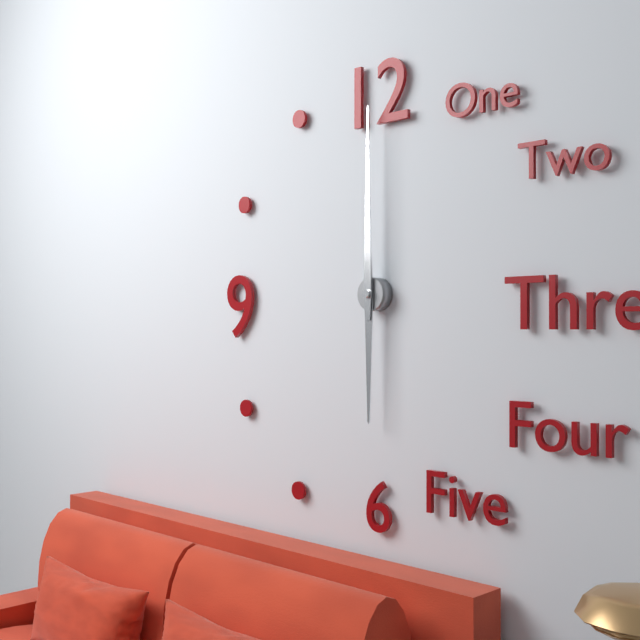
6:00
